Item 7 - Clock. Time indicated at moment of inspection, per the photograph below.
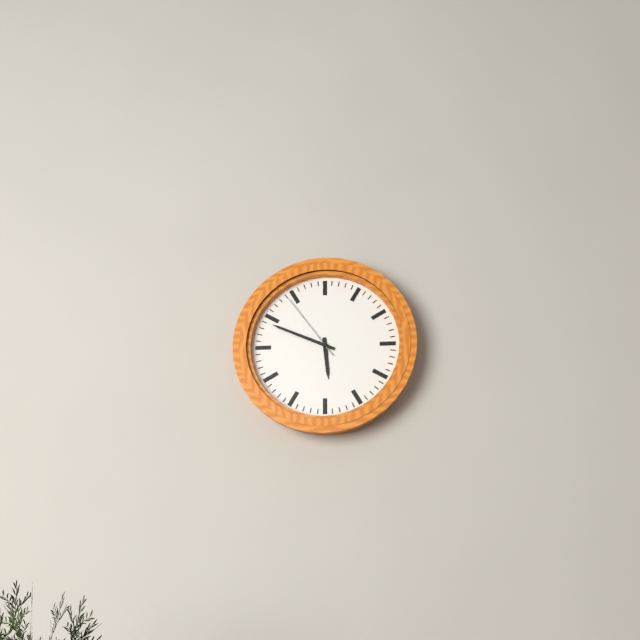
5:49:54
